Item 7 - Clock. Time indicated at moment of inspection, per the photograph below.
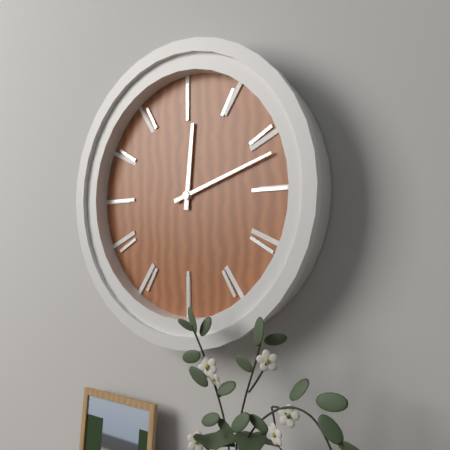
12:12
